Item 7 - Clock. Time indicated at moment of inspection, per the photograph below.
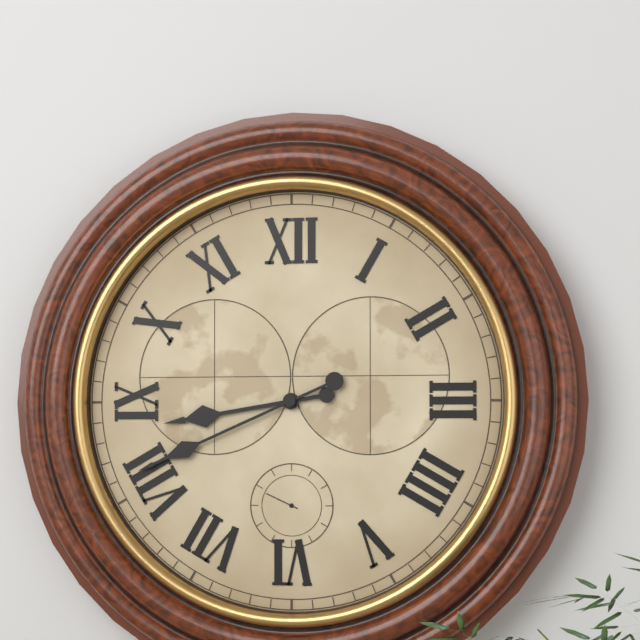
8:41
